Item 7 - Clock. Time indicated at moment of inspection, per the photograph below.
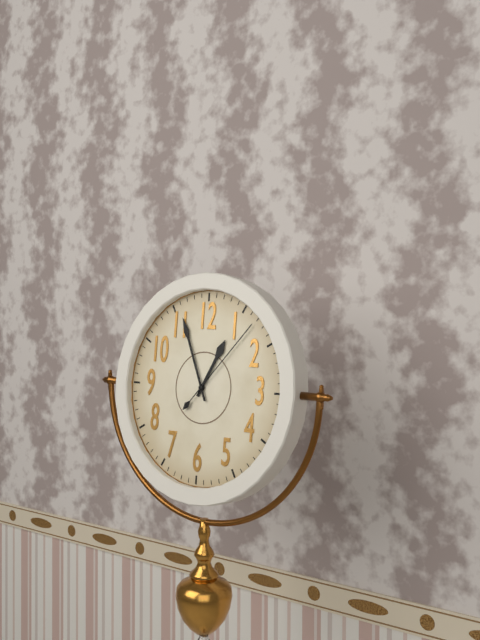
12:56:07
